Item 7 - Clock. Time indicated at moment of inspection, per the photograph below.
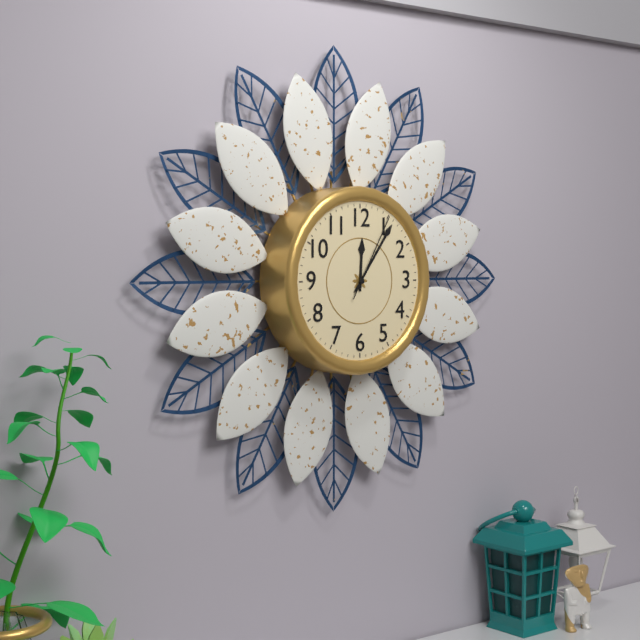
12:06:05
